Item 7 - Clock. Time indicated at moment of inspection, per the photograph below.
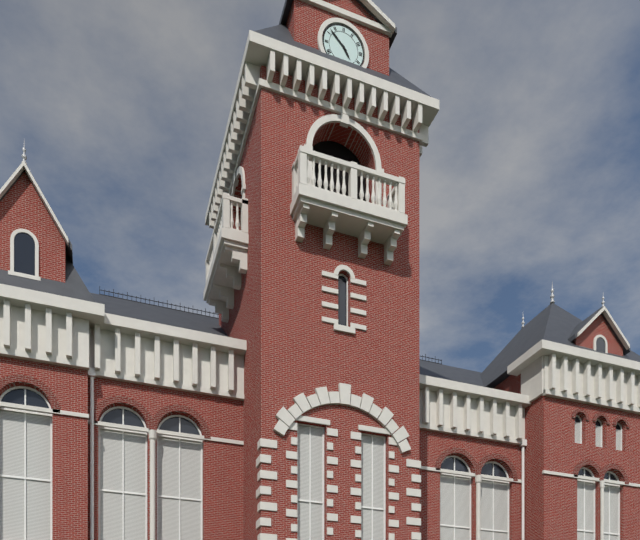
4:52
